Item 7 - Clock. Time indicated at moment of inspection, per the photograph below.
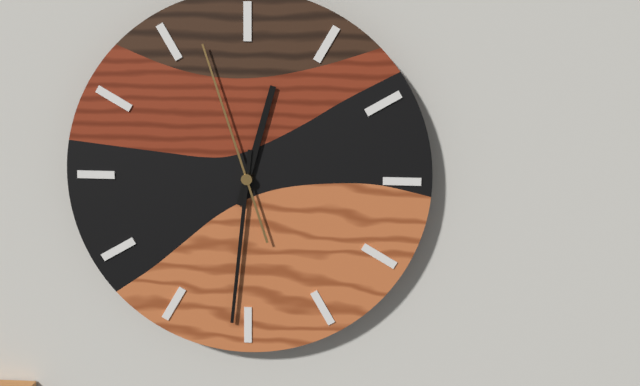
12:31:57
